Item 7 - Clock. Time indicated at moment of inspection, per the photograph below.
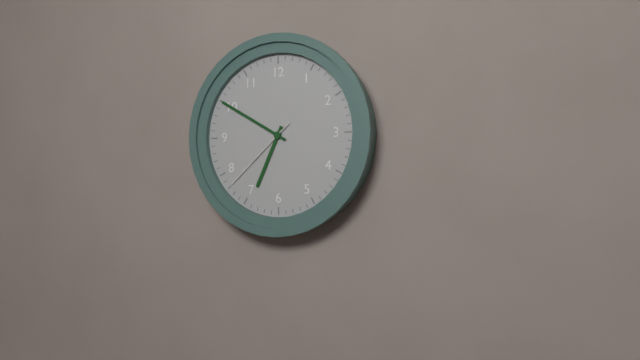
6:50:38
